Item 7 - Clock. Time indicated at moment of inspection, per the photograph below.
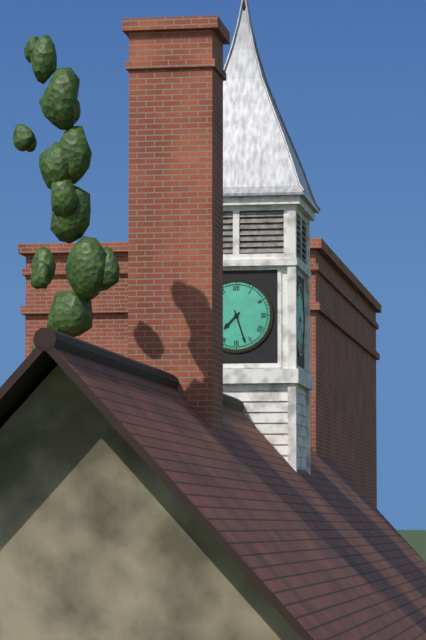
7:27
